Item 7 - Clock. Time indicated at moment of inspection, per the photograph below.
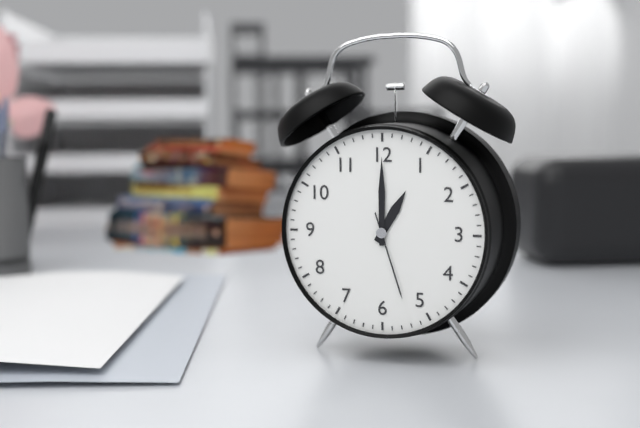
1:00:27
